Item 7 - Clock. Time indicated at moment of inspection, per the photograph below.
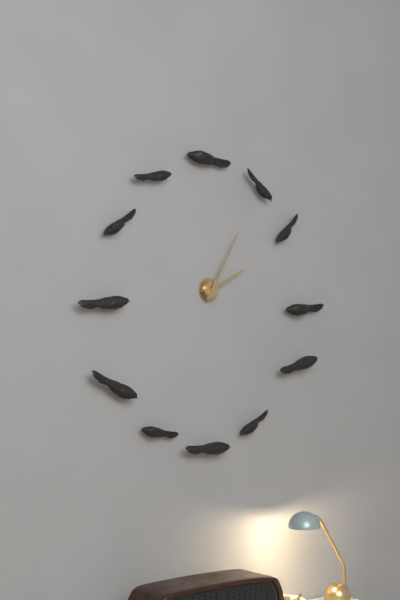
2:05
